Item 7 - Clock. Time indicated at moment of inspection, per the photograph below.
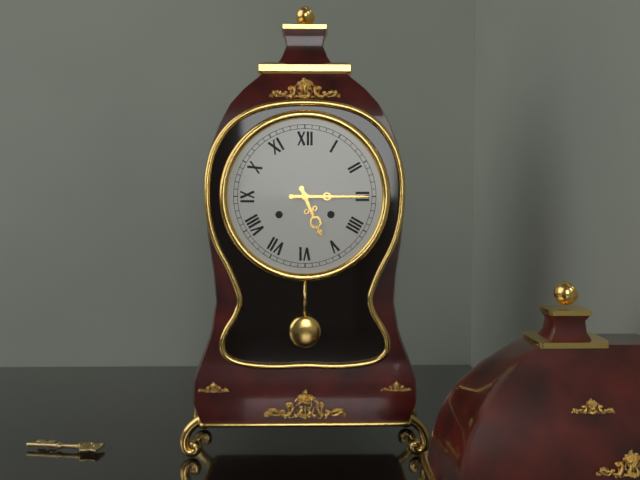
5:15
